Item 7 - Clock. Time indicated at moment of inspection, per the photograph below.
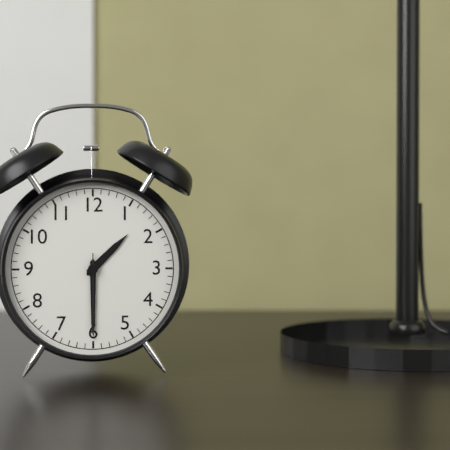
1:30:30
